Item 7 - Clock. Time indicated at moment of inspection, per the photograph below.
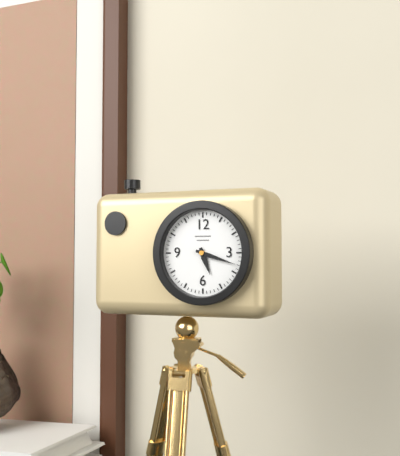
5:18
